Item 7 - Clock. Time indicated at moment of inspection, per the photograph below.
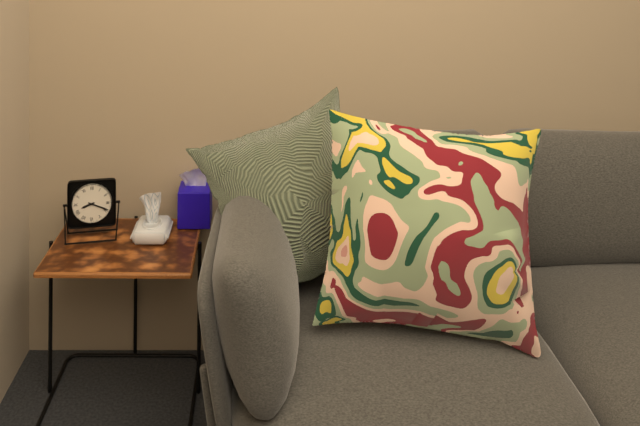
8:19
